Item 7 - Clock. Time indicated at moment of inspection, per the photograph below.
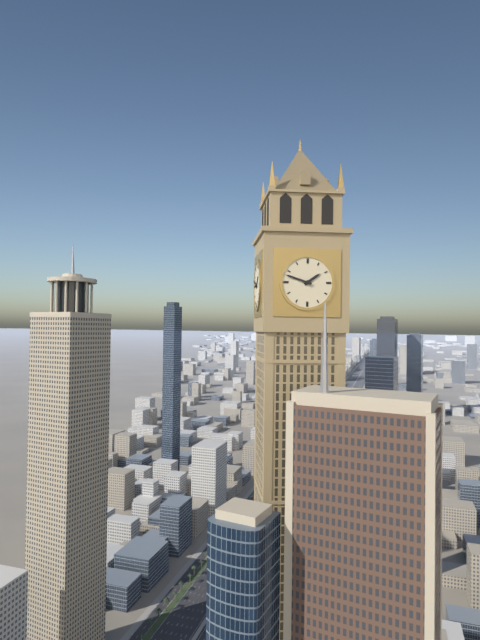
1:48
